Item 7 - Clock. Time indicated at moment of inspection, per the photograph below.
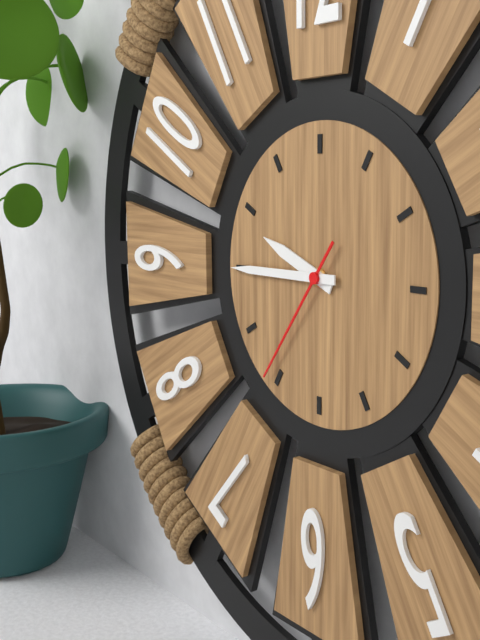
9:45:36
